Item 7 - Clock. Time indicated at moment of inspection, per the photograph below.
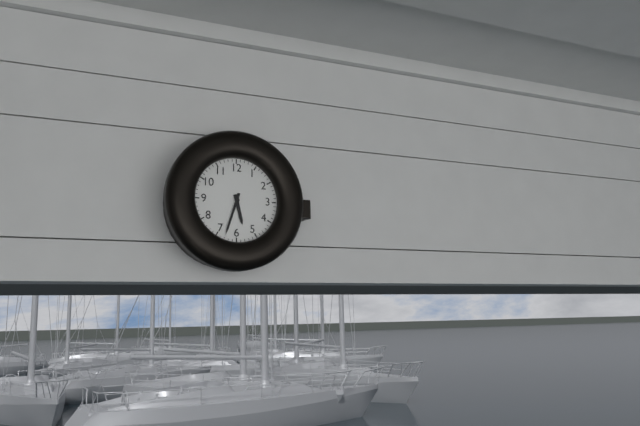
5:33
